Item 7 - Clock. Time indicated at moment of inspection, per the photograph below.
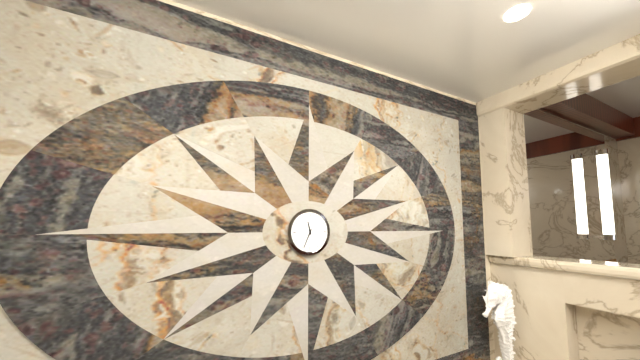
11:34
